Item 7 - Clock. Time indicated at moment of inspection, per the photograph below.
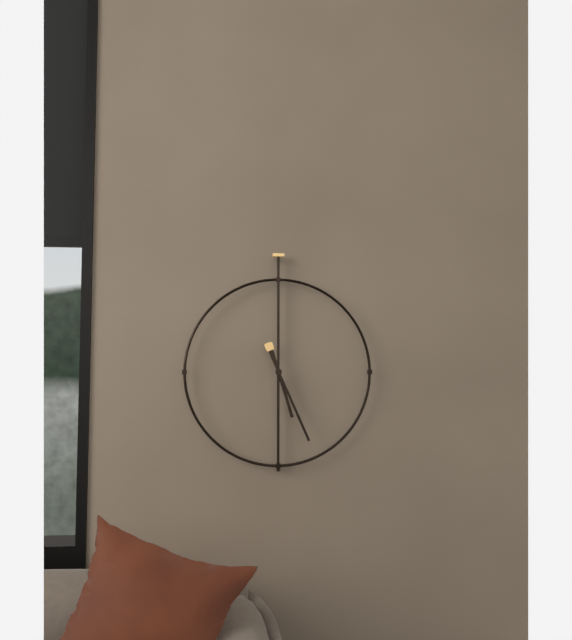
5:26
